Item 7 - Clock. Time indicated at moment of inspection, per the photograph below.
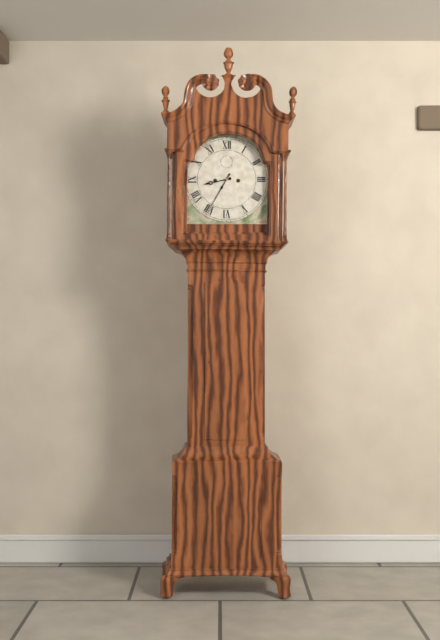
8:35
